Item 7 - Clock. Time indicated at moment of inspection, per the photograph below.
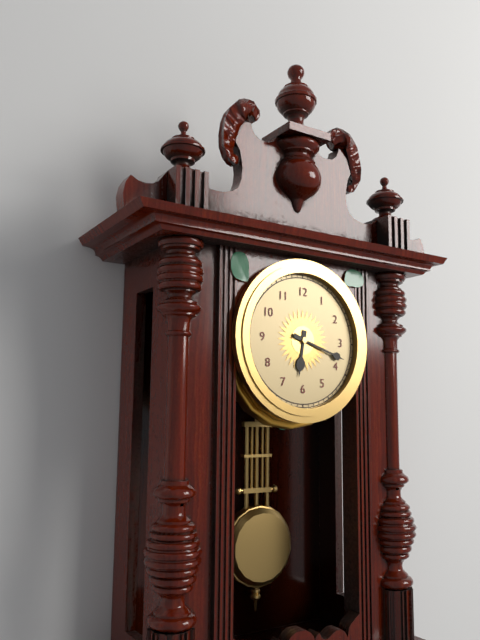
6:18
